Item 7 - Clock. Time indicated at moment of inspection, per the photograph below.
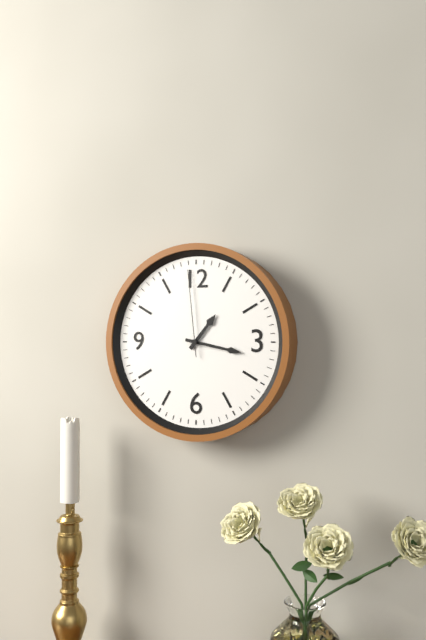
1:17:59
